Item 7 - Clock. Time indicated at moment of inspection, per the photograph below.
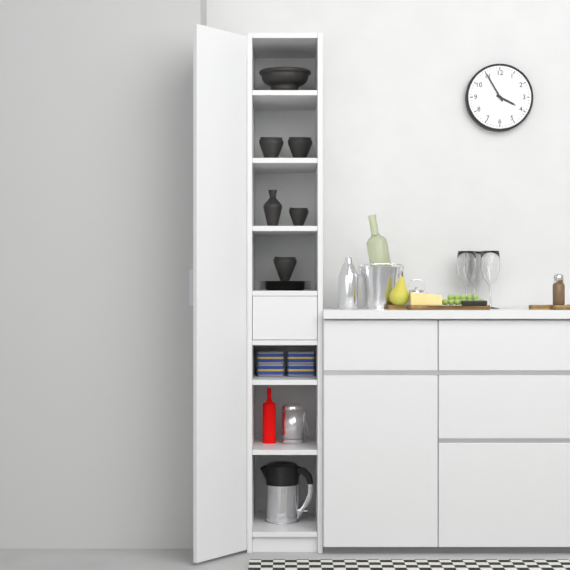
3:55
